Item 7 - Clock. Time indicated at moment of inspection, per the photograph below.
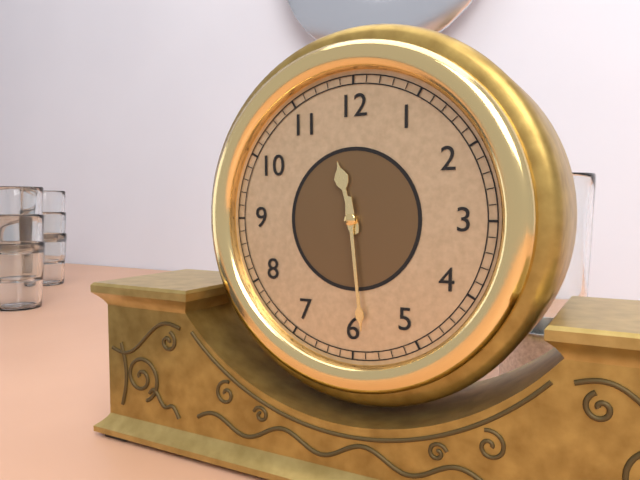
11:29
